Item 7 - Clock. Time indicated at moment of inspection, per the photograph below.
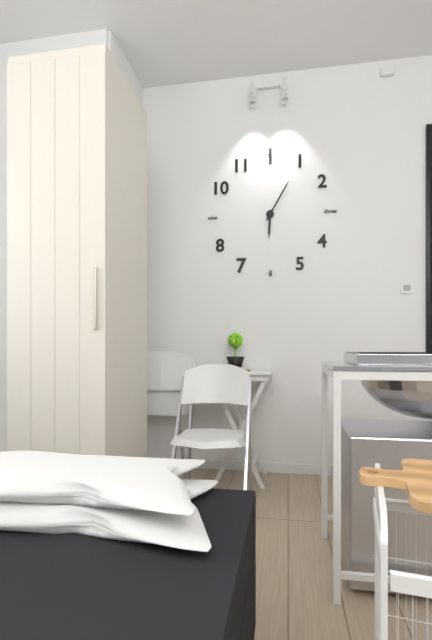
6:05
